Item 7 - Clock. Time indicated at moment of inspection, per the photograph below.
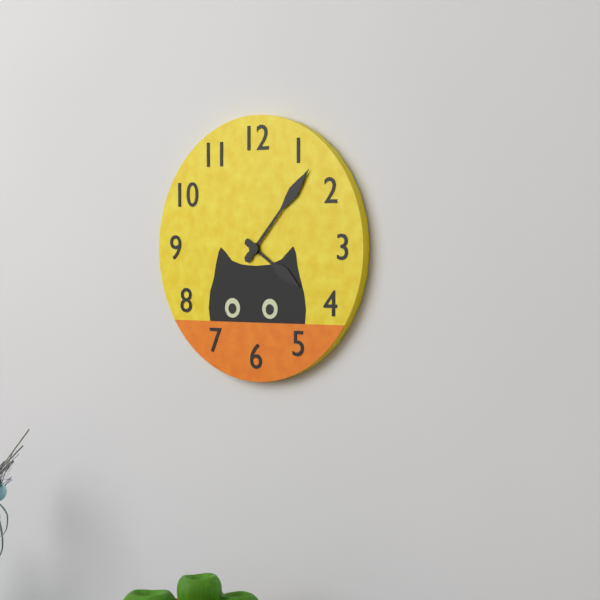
4:07
